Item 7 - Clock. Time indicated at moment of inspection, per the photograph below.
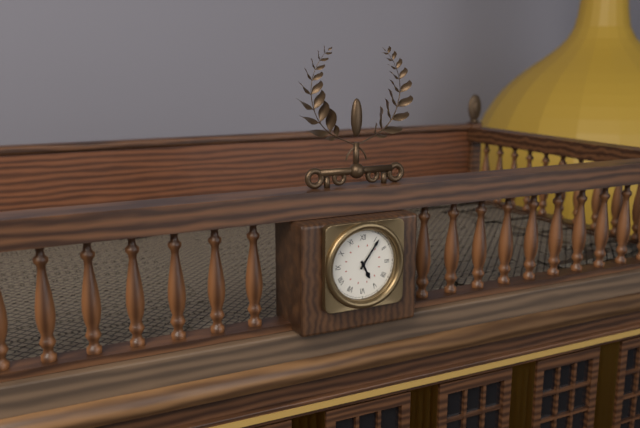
5:06
